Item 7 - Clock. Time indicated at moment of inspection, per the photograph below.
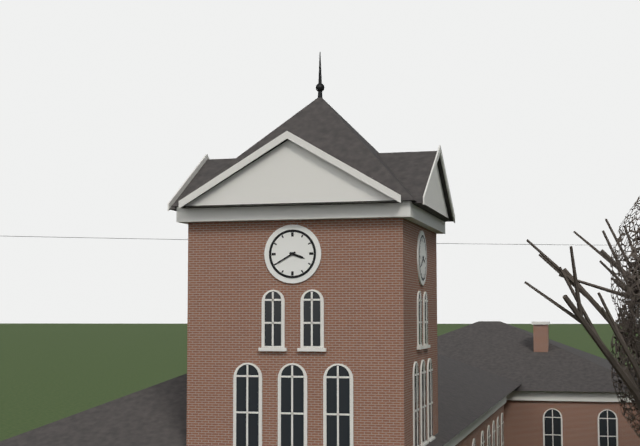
3:40
